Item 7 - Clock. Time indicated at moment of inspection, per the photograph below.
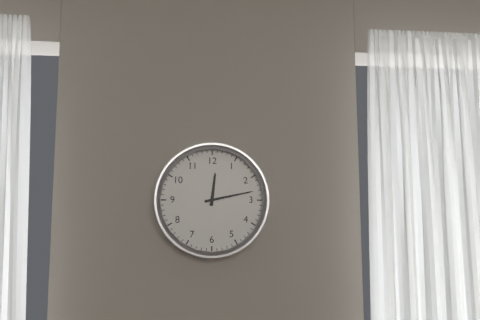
12:13
